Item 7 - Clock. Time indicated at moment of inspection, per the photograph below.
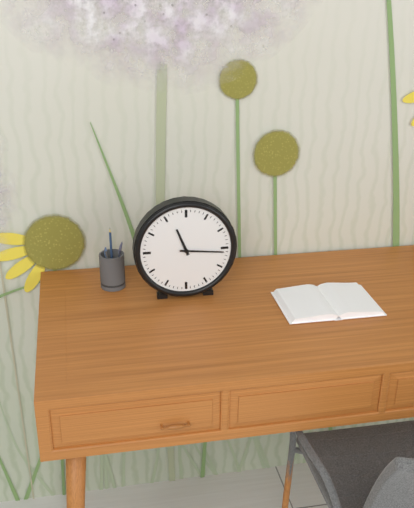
11:16
